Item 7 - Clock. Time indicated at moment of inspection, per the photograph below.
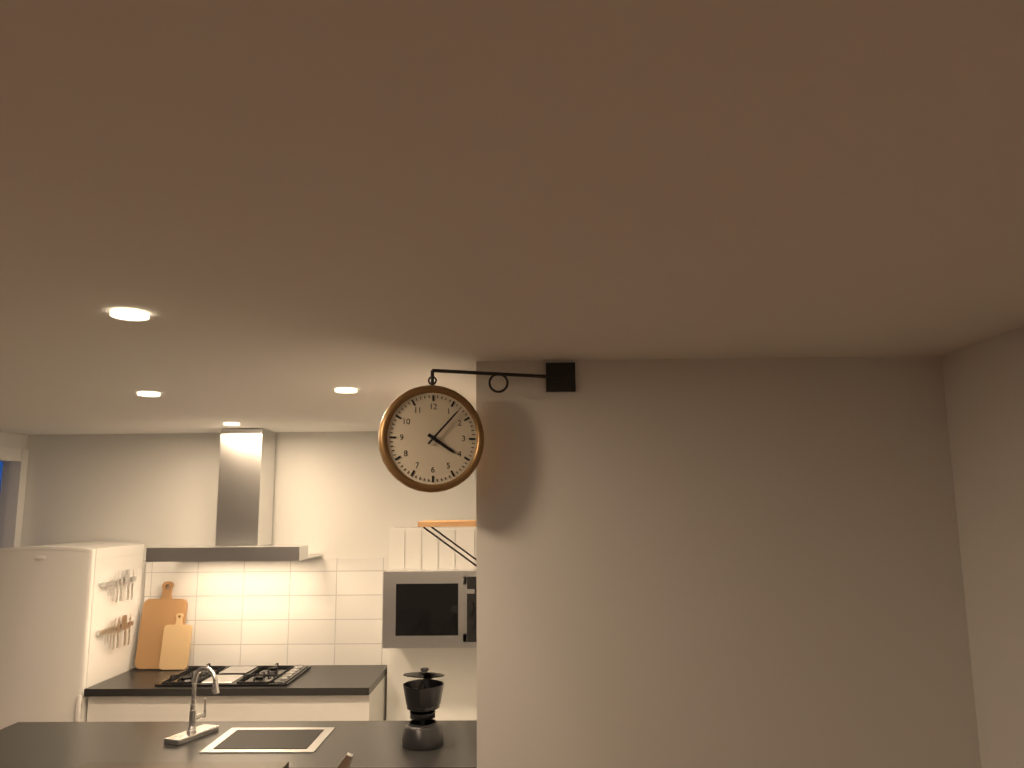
4:07
